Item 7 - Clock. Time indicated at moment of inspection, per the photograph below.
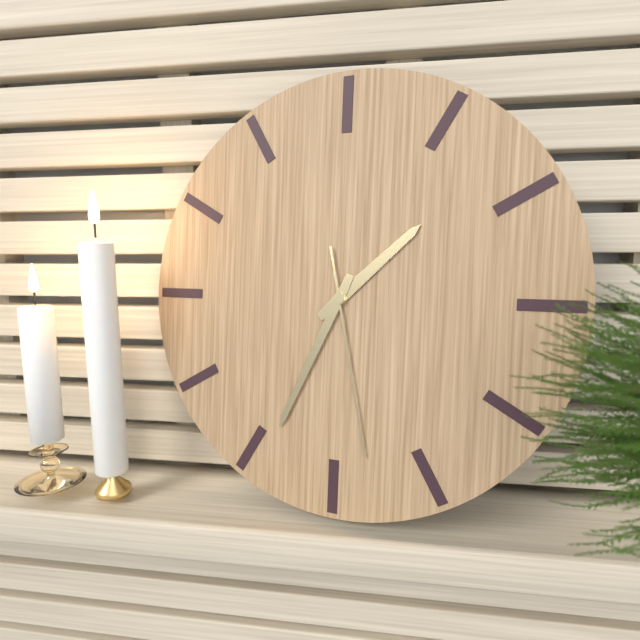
1:34:28
